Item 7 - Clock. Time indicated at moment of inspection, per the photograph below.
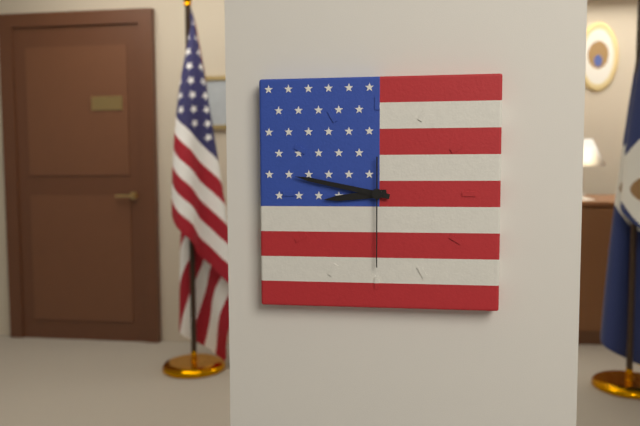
8:47:30
